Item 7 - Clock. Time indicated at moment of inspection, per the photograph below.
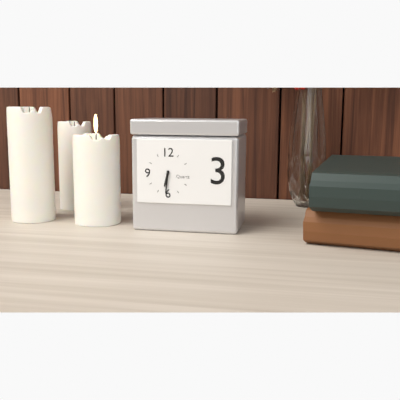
6:31
